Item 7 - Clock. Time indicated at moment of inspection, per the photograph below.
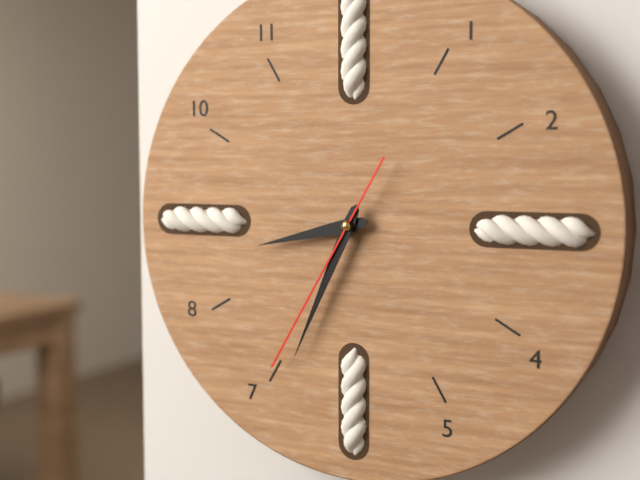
8:34:35
